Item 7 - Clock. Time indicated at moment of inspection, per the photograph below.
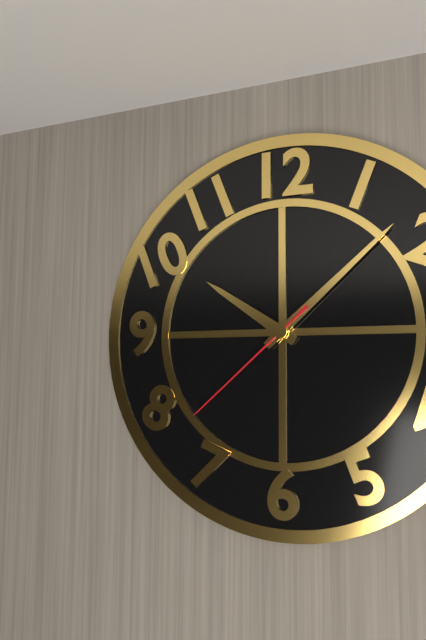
10:08:38
